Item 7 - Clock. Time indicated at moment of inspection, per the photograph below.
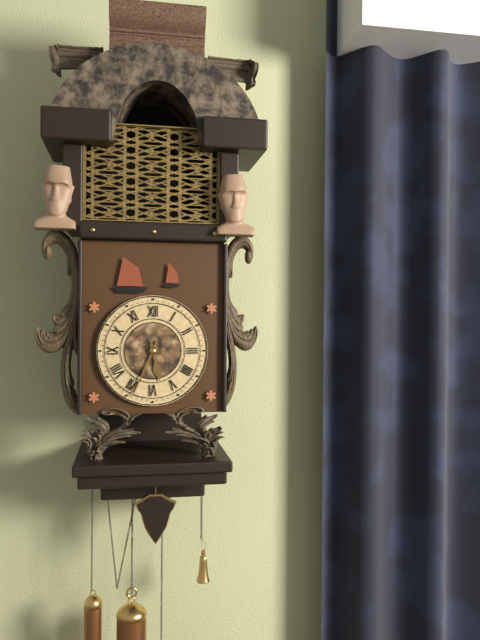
5:34
